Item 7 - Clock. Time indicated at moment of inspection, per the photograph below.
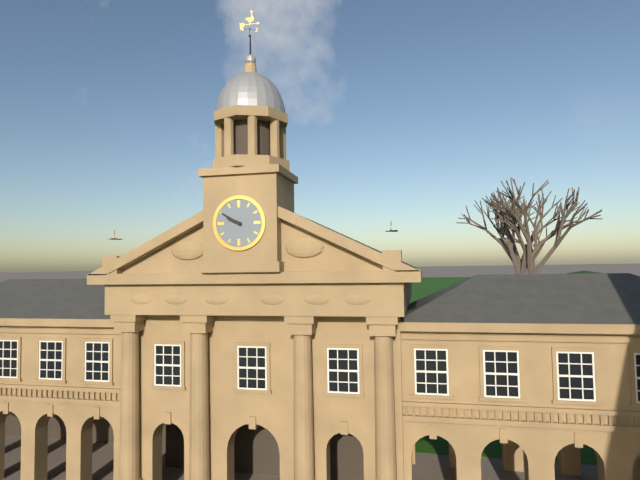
9:50
